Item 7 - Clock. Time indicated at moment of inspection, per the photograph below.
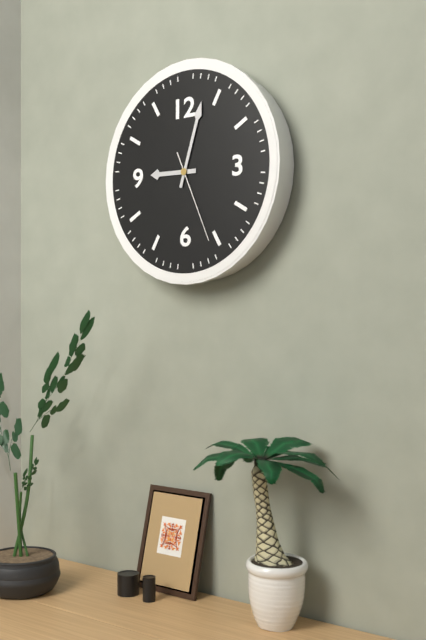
9:03:26
